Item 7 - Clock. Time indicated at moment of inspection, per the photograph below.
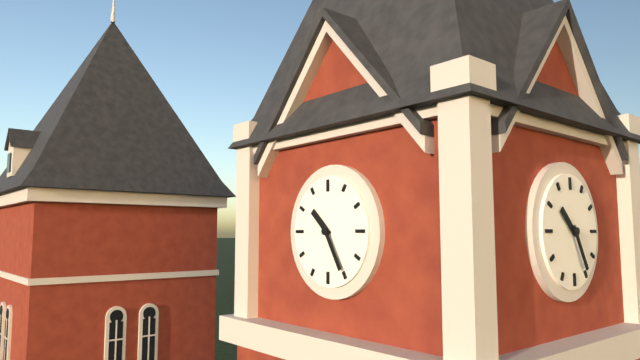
10:25
